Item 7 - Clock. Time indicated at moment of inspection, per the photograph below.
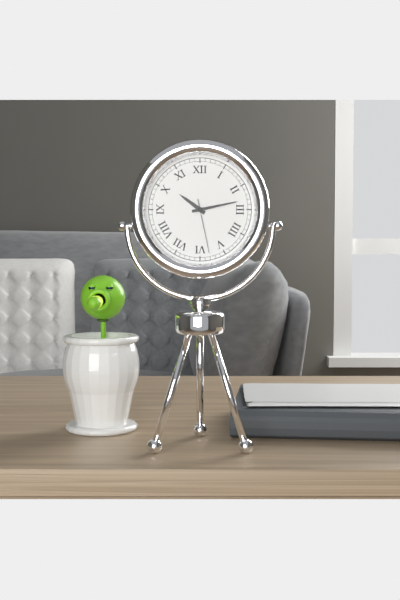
10:13:28
